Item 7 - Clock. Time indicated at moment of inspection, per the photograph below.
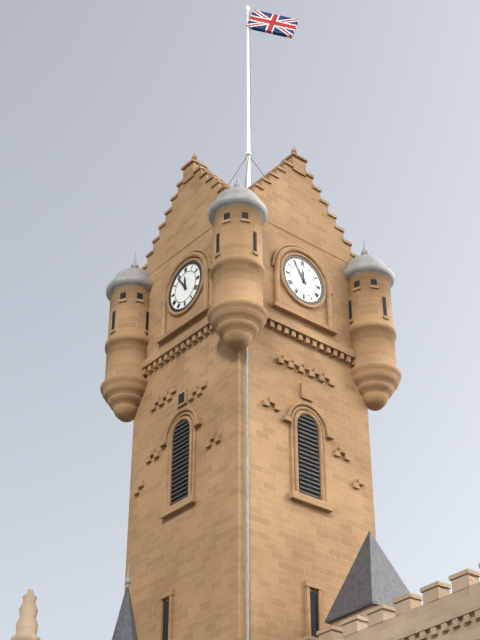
11:54
